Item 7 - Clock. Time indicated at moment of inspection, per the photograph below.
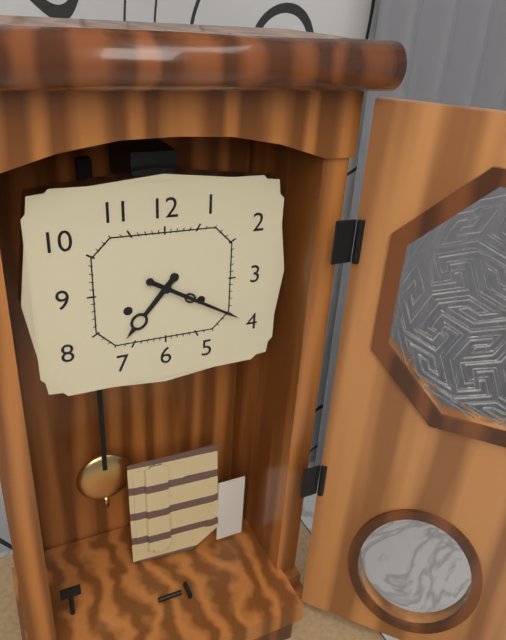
7:20
